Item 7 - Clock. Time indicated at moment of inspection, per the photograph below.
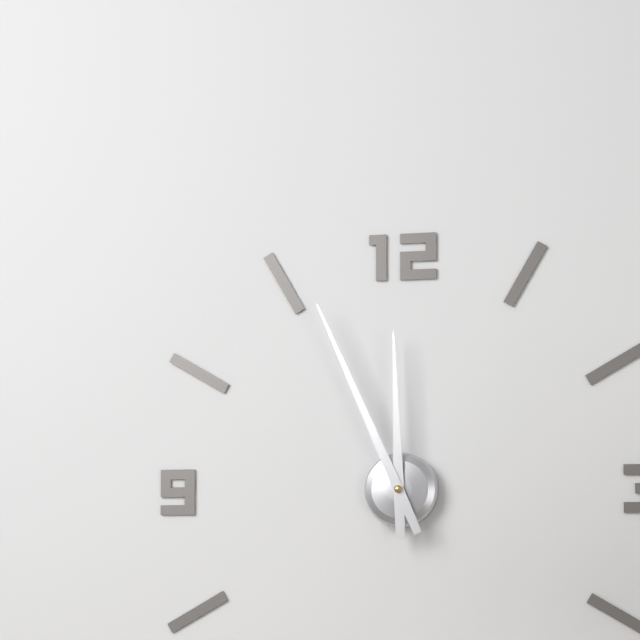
11:56
